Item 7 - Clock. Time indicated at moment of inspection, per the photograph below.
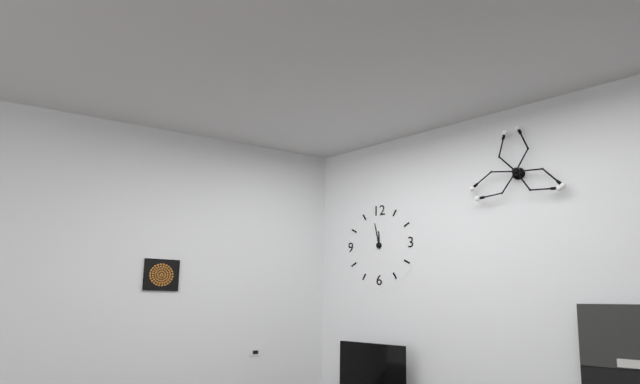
11:58
